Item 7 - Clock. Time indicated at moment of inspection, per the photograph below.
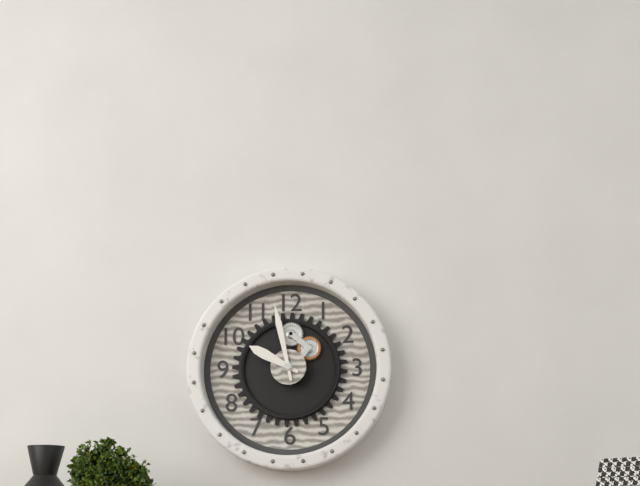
9:58
